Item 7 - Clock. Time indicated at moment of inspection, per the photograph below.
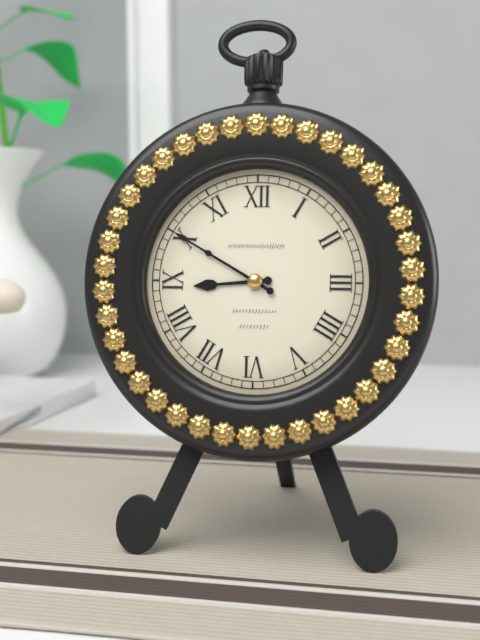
8:50
